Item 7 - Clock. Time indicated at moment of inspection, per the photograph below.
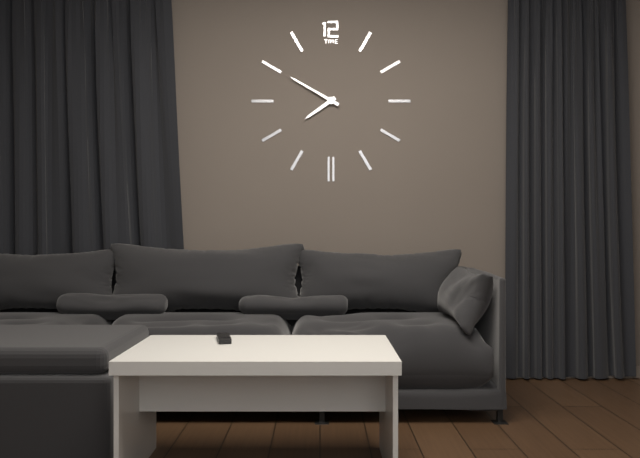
7:50
